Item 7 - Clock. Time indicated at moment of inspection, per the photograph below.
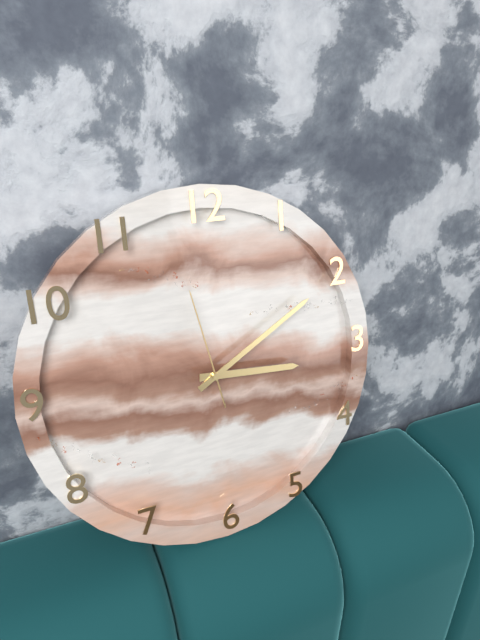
3:10:58
